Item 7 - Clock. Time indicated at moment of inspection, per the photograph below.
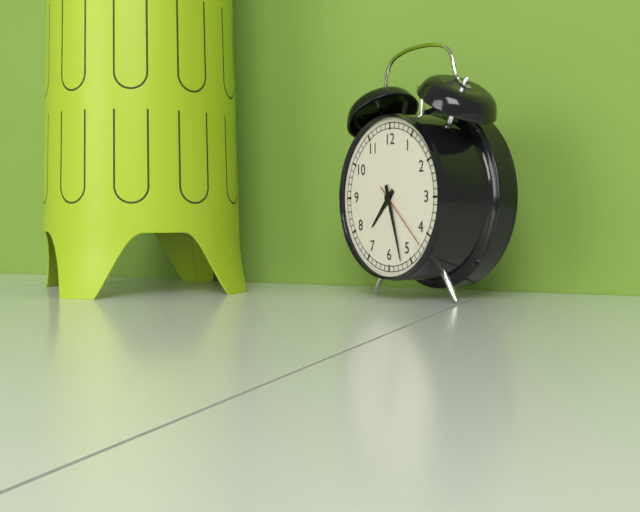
7:27:22
